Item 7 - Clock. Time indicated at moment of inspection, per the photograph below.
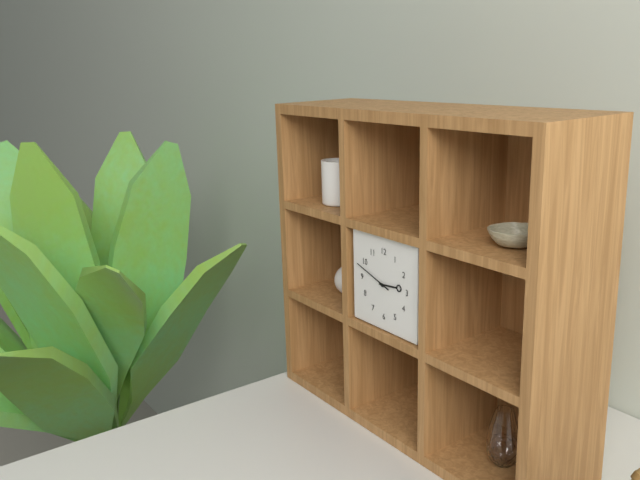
2:48
